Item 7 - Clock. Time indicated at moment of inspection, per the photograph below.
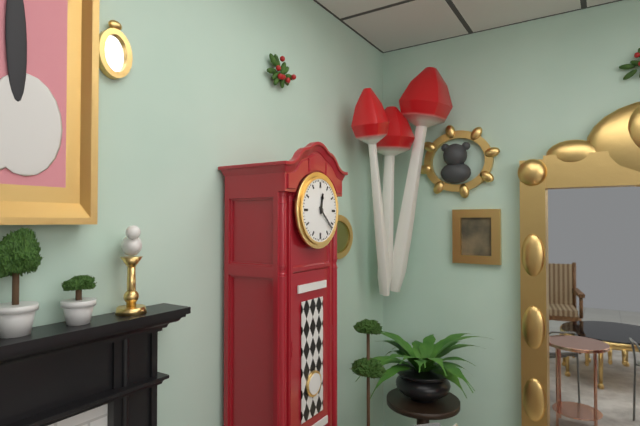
12:22
